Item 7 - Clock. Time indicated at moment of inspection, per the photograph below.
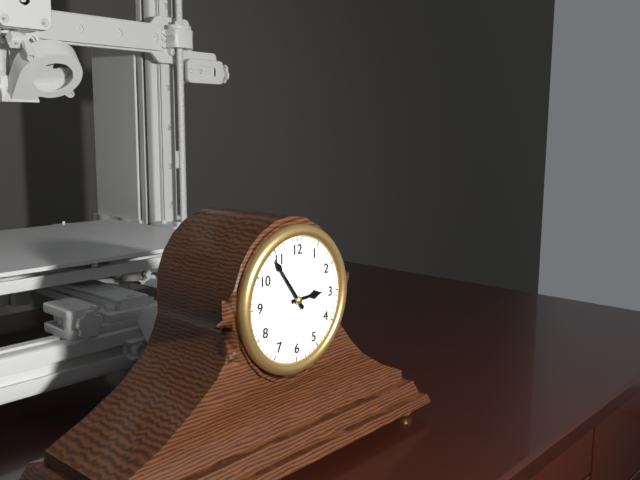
2:54
